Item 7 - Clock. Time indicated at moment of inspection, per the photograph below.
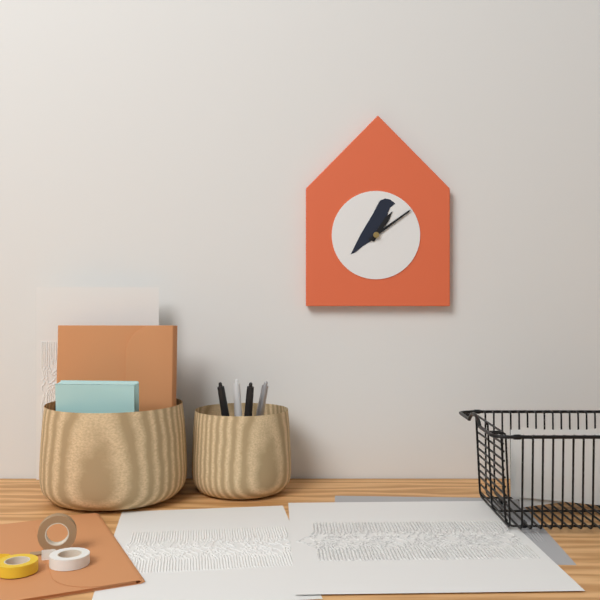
1:09
